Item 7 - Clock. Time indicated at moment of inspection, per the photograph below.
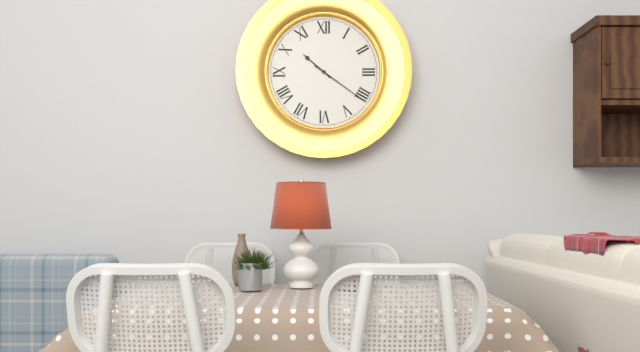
10:21
